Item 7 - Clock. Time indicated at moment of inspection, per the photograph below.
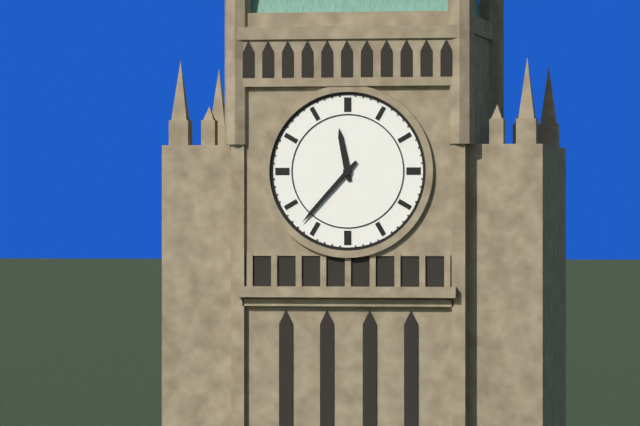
11:37
